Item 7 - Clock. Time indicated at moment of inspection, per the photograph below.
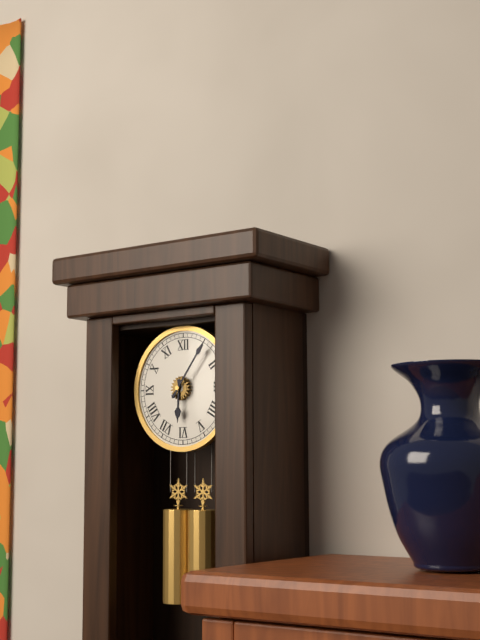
6:06
